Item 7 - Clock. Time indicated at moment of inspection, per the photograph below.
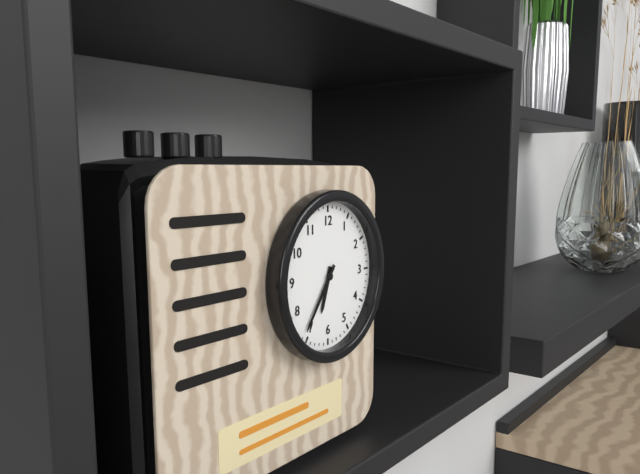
6:36
